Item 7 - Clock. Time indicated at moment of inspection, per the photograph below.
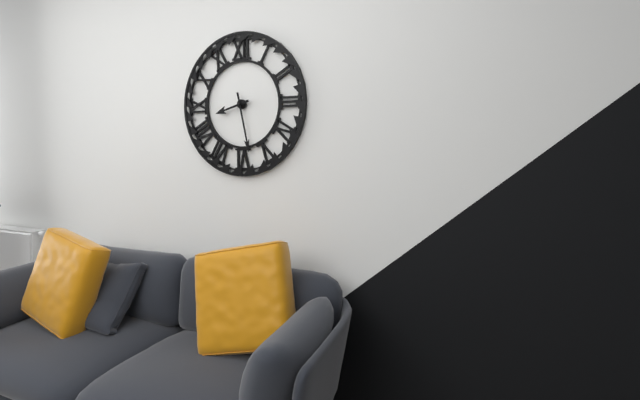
8:28
